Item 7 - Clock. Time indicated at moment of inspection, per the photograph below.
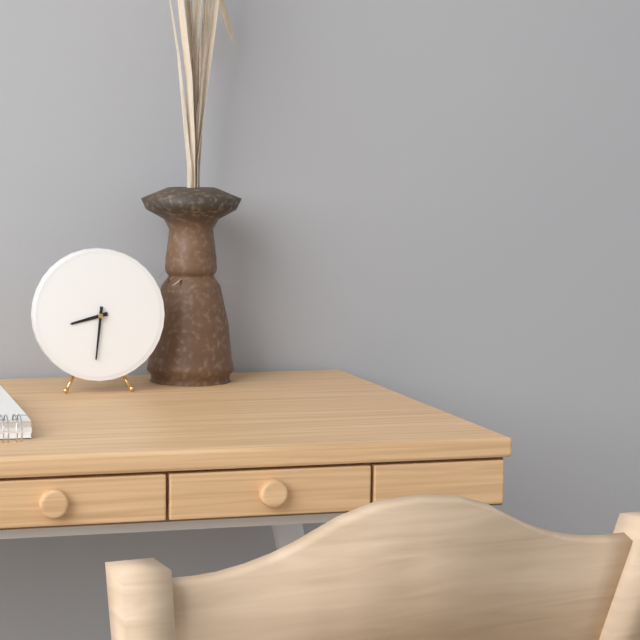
8:31
